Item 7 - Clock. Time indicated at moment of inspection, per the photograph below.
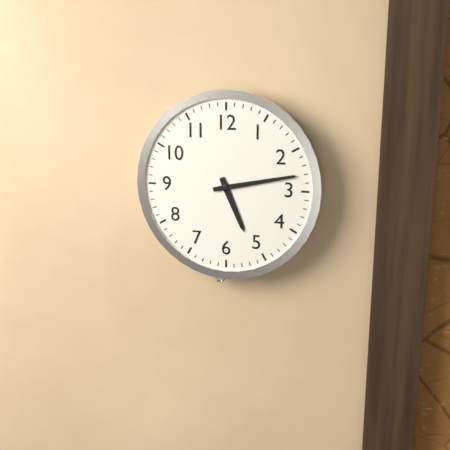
5:13
